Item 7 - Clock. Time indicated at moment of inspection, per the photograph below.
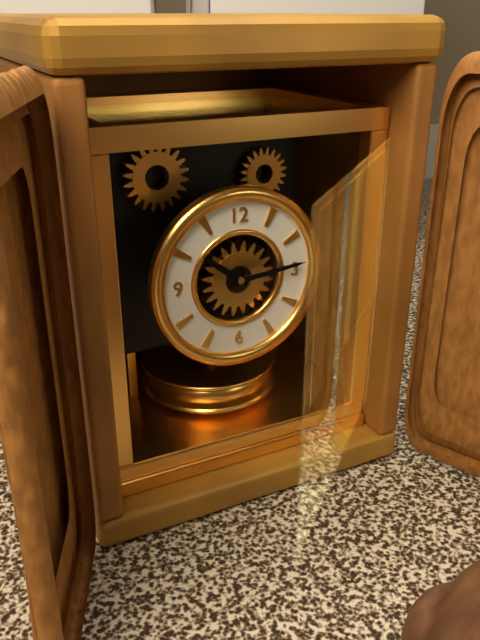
10:14
